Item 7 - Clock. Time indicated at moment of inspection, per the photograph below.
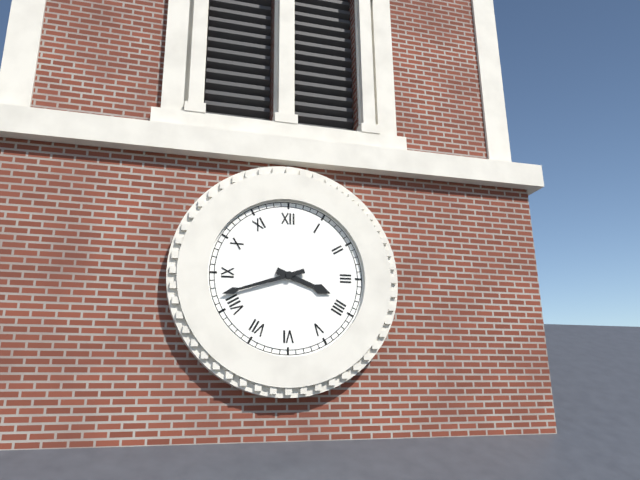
3:42
